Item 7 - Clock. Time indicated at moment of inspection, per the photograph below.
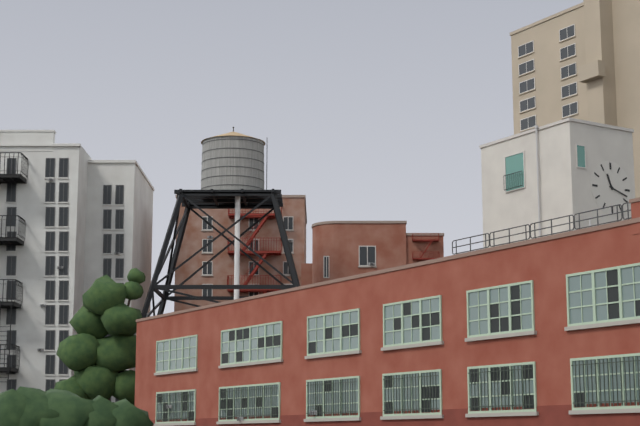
11:18
